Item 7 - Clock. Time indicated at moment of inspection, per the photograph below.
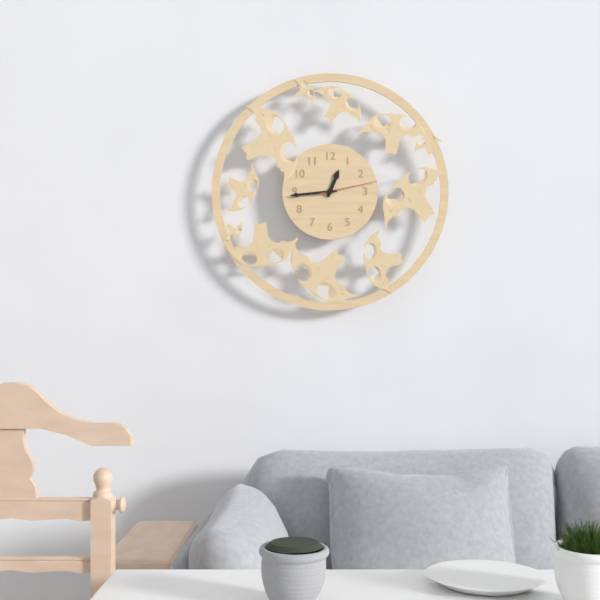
12:44:13
